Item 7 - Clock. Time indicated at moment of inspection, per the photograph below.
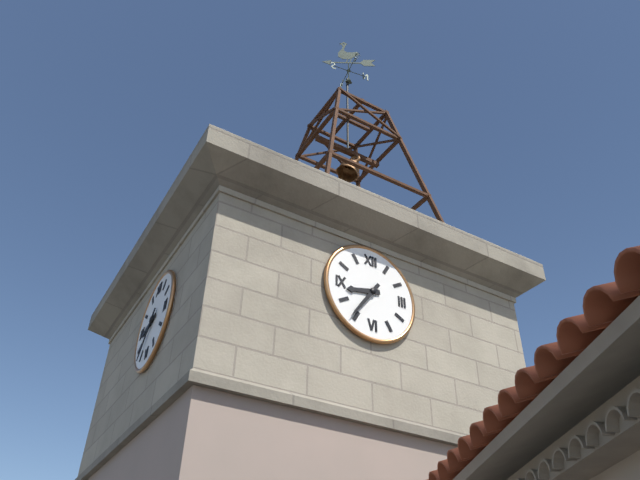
8:36
